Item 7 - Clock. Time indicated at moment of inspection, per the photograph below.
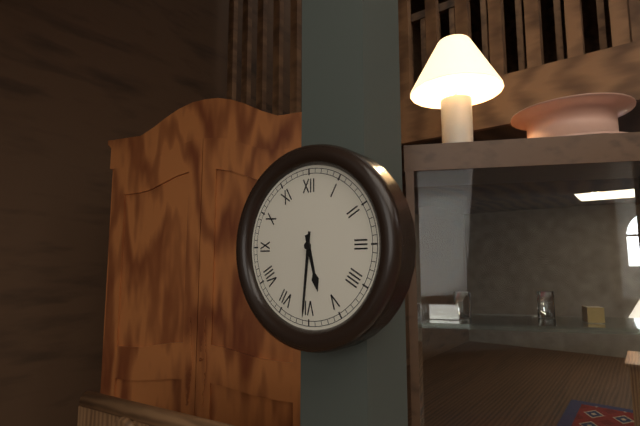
5:31
